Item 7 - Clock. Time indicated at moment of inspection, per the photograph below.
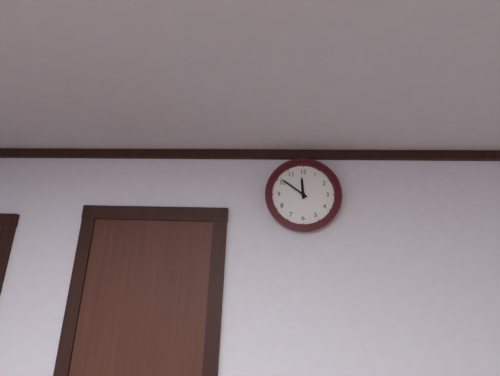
11:51
